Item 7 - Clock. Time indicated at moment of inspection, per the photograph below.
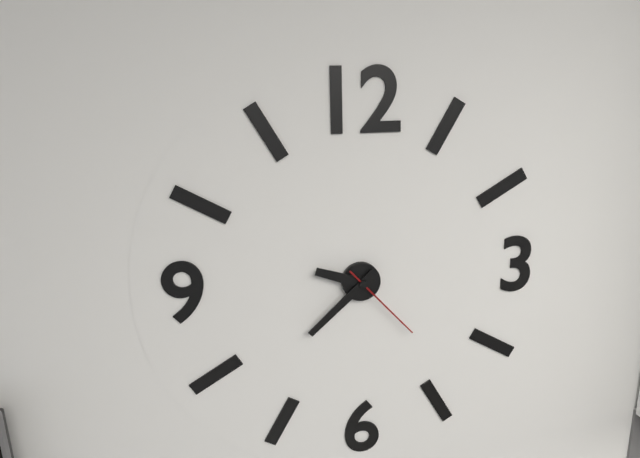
9:38:23
